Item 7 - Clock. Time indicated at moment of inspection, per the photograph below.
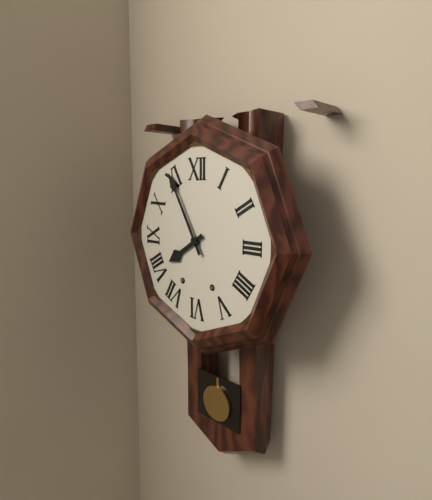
7:55
